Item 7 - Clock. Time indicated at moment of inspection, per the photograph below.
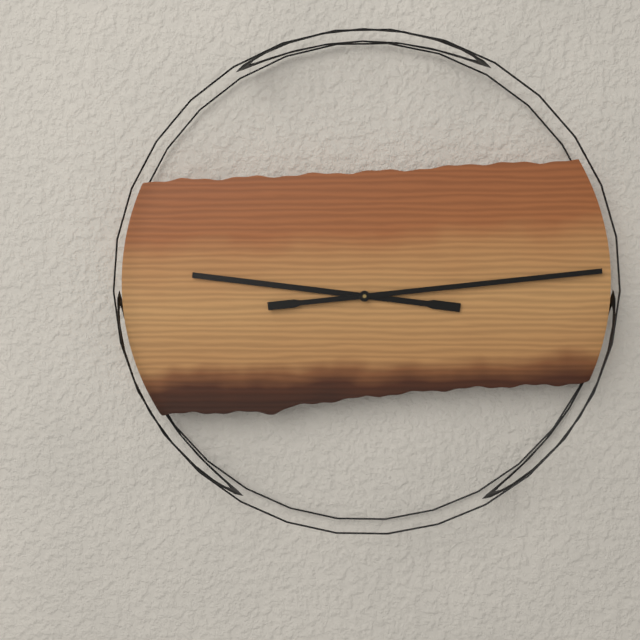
9:14
